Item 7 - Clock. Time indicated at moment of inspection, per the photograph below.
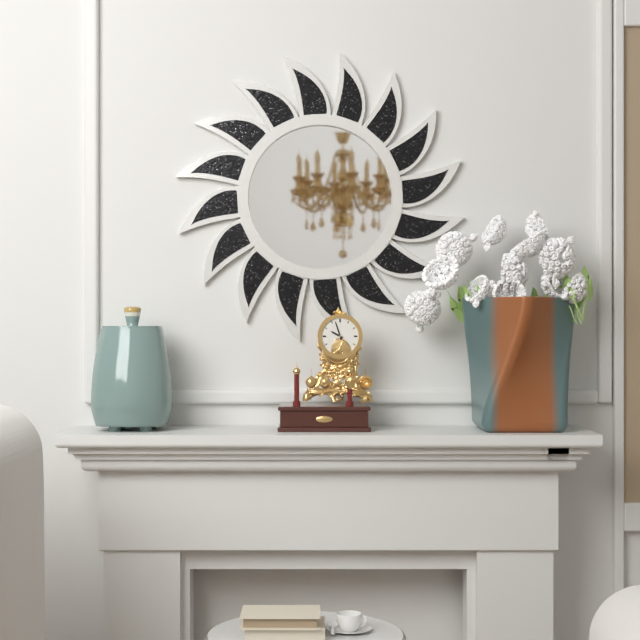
9:57
